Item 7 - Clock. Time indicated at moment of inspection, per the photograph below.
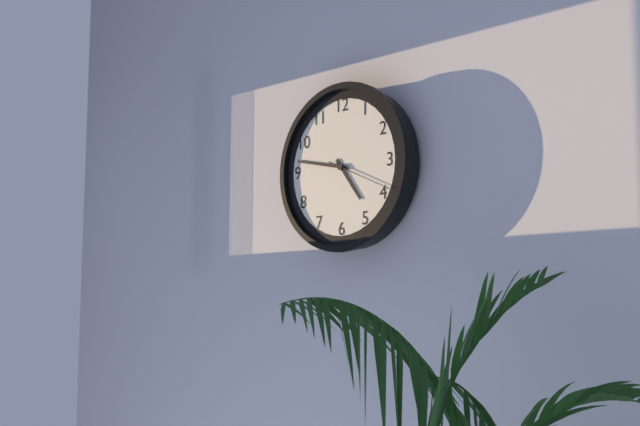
4:47:19
